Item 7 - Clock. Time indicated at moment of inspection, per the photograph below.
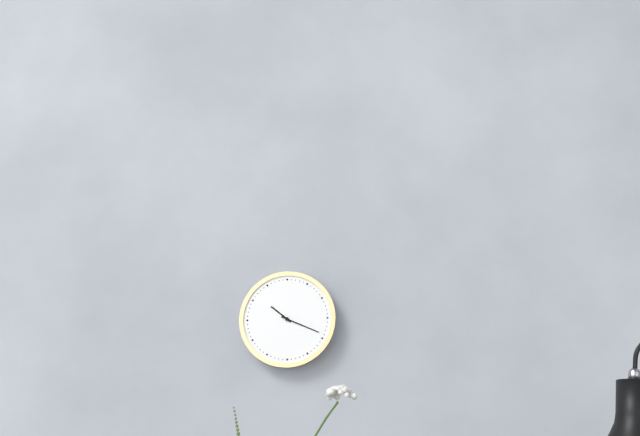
10:19
